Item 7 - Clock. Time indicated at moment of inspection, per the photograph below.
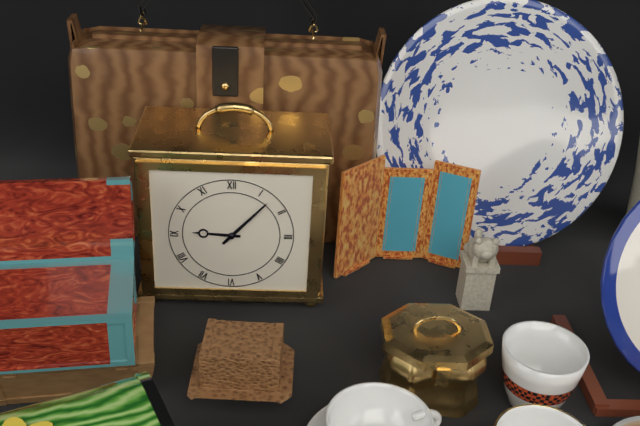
9:07
